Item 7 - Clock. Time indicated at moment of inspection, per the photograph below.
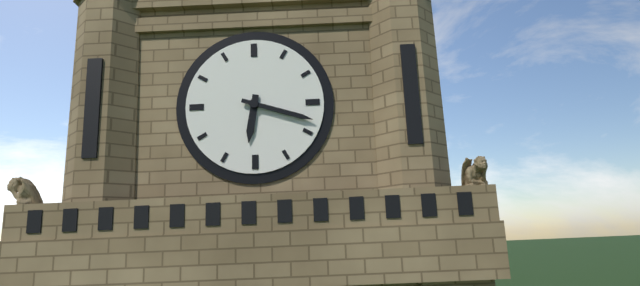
6:18
